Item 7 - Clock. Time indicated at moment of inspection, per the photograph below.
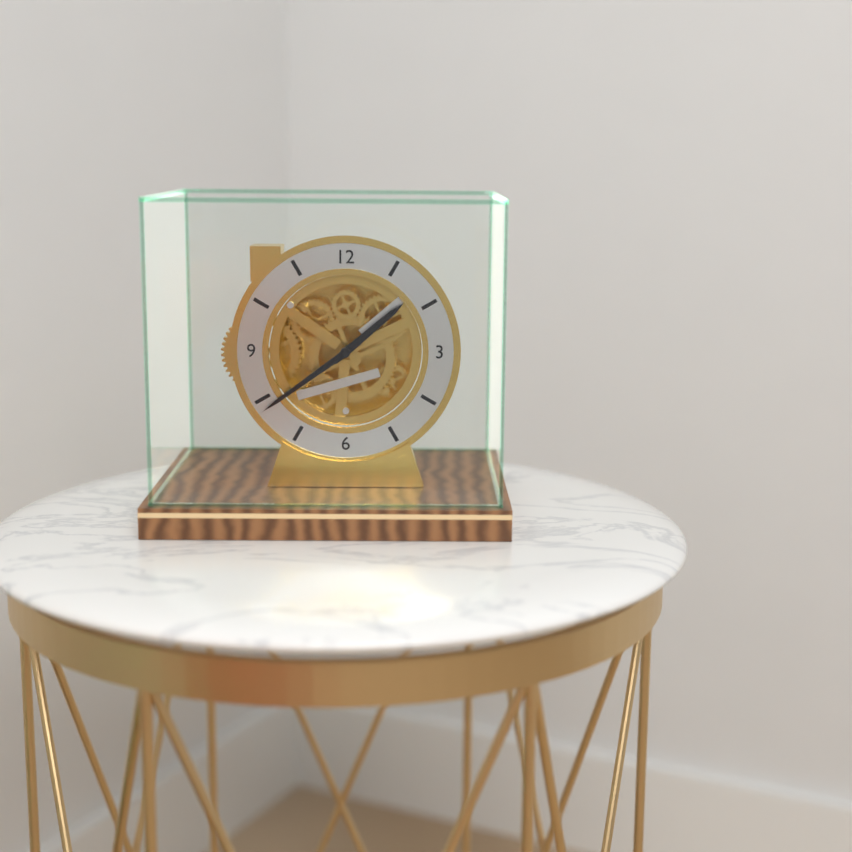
1:39
